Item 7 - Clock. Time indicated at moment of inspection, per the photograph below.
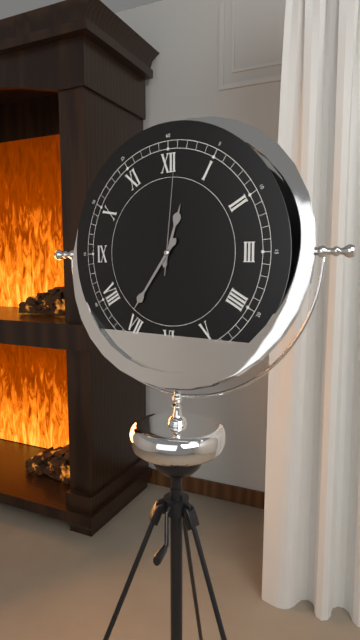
12:36:01
